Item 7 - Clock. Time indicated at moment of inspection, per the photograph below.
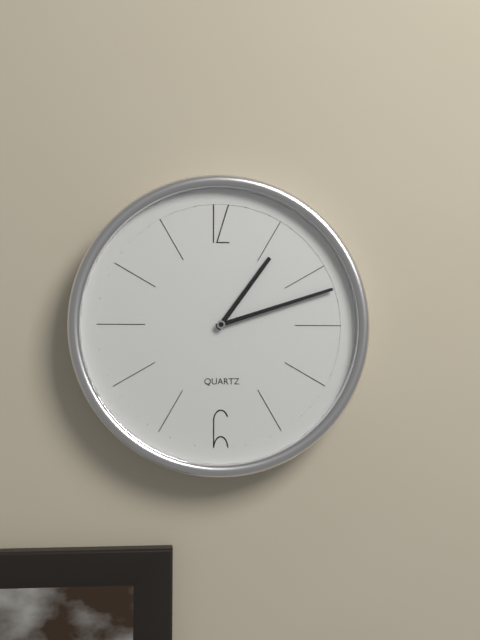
1:12
